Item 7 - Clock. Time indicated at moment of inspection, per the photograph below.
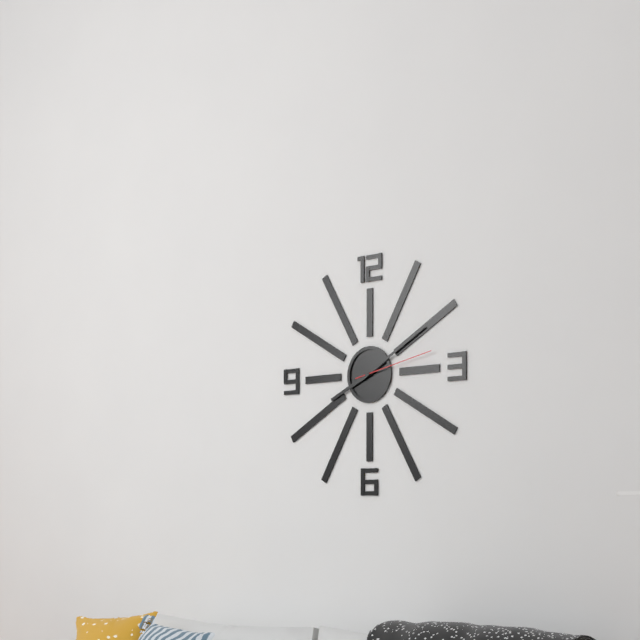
8:10:13
